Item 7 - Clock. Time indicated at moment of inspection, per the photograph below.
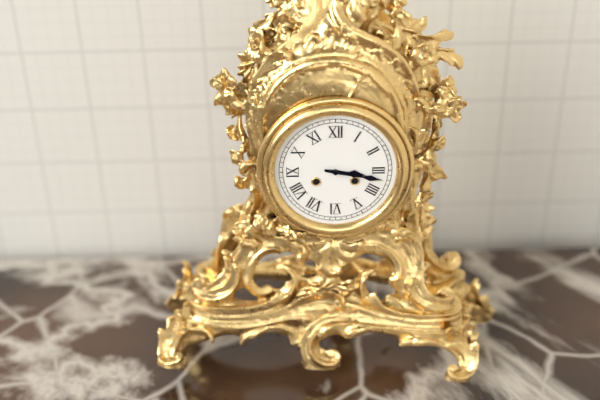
3:17
